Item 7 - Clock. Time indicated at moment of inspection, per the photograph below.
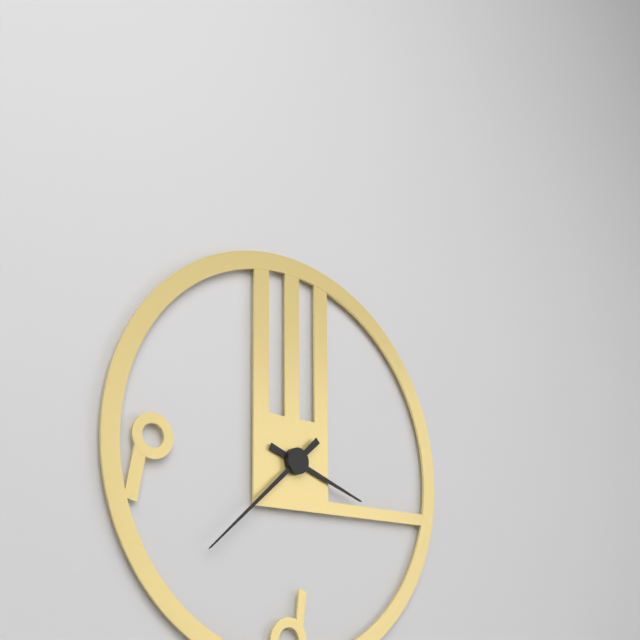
3:38
